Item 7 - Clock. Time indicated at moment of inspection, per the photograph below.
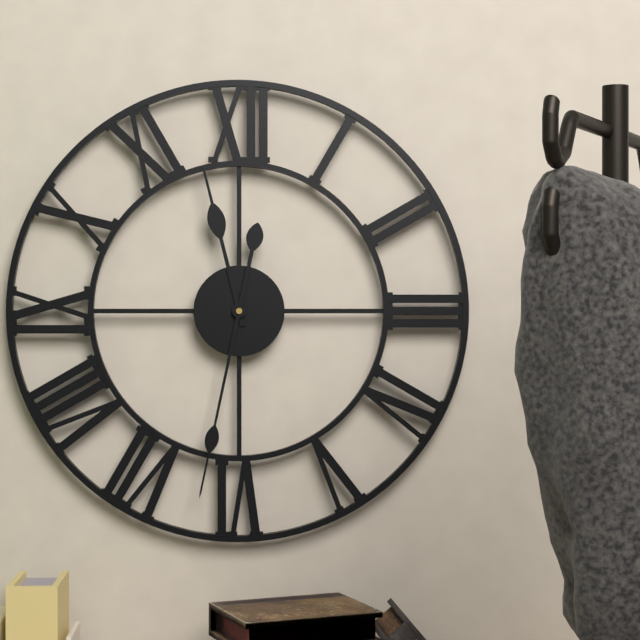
11:32
